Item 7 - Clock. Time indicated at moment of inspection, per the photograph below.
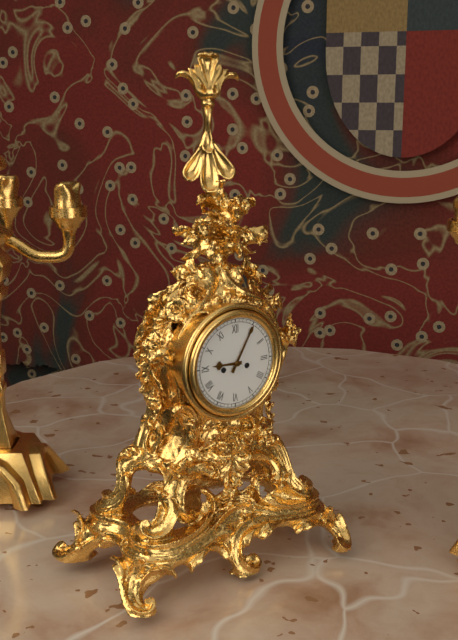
9:05
